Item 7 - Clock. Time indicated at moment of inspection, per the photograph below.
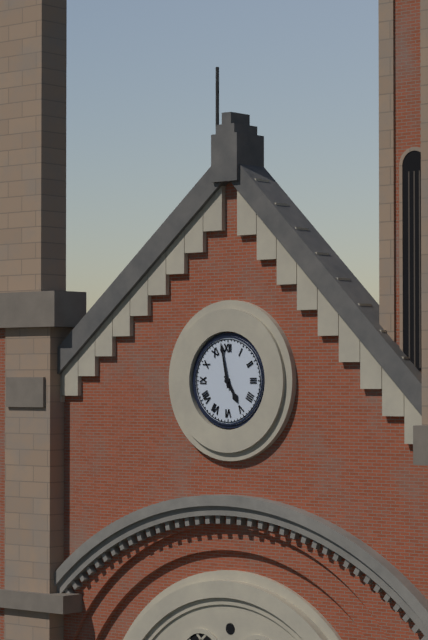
4:58
